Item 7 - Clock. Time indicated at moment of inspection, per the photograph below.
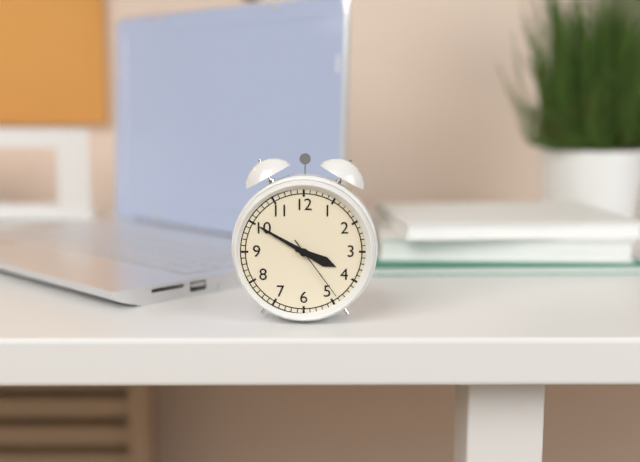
3:50:24
